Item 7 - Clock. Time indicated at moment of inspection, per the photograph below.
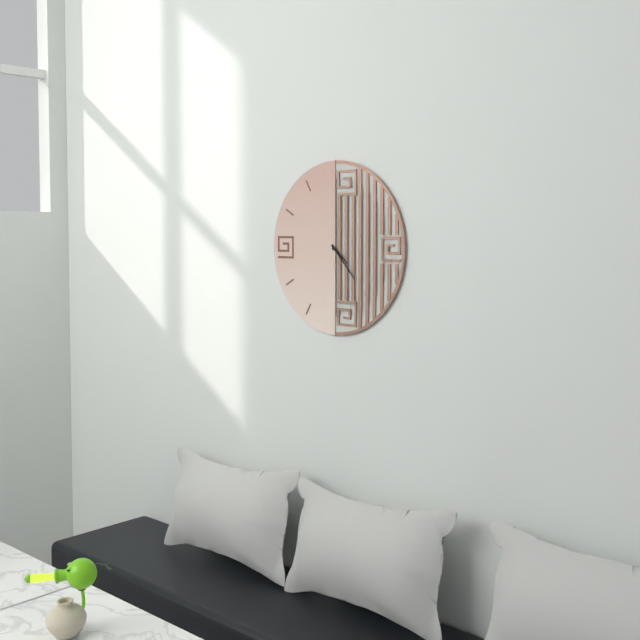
4:23
